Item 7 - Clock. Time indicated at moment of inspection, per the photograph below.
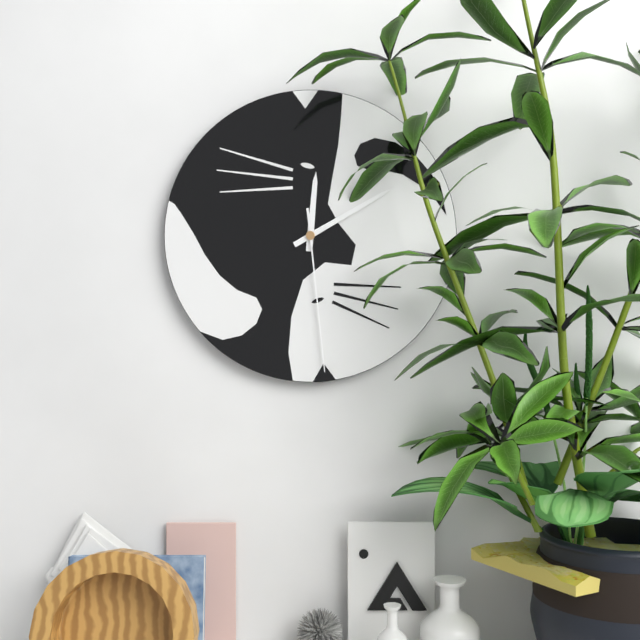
12:10:29
